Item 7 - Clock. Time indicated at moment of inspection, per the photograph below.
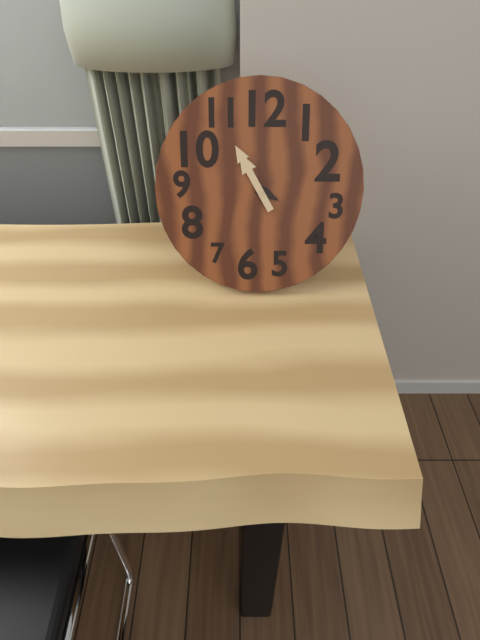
3:55
